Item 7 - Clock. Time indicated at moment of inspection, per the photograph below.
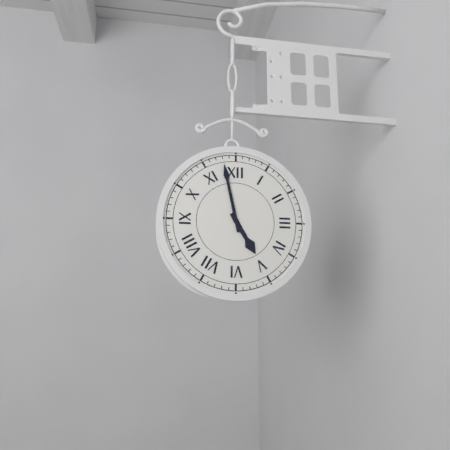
4:58
